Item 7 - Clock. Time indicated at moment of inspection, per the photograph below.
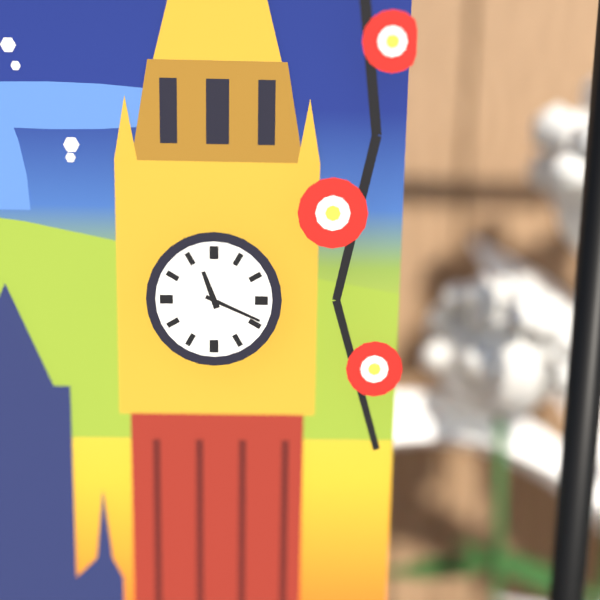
11:19
